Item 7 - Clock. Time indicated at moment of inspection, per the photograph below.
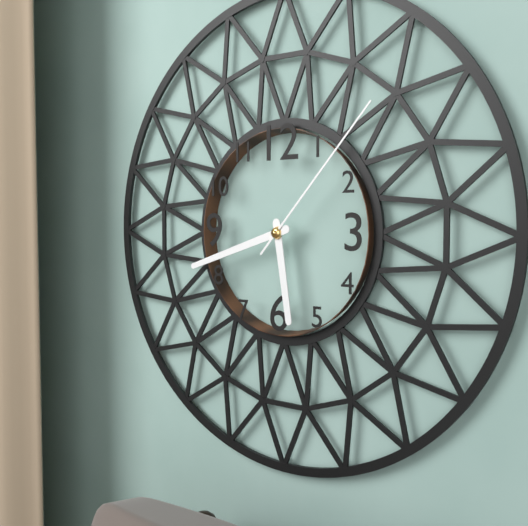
5:42:07
